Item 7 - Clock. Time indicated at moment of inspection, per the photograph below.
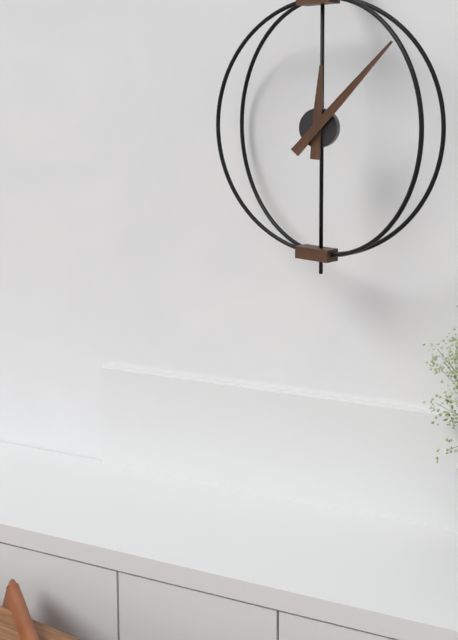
12:07
